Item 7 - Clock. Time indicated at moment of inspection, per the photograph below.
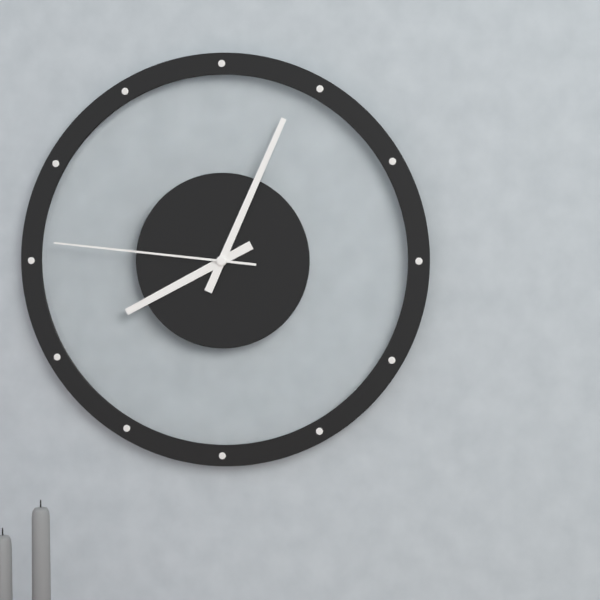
8:04:46
